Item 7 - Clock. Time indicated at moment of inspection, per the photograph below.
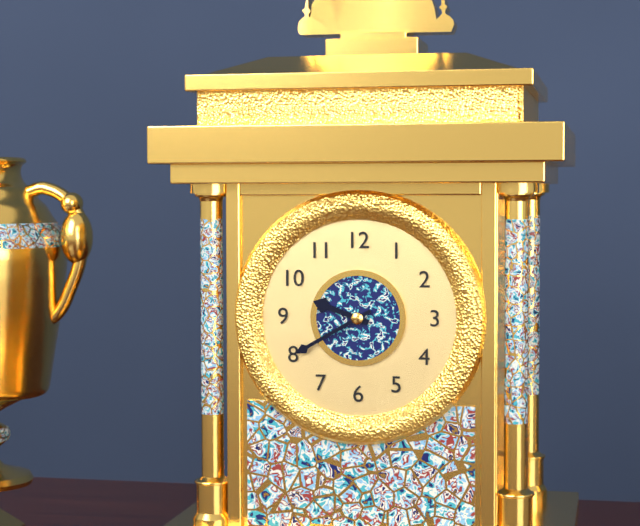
9:40
